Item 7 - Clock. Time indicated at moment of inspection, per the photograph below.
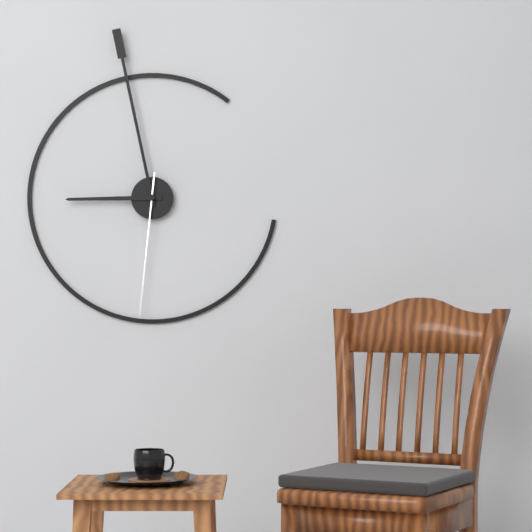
8:58:31
